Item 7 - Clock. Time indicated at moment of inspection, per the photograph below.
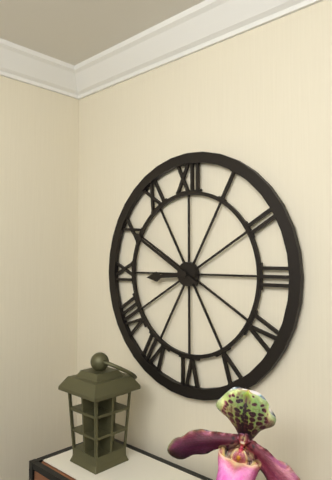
8:50
